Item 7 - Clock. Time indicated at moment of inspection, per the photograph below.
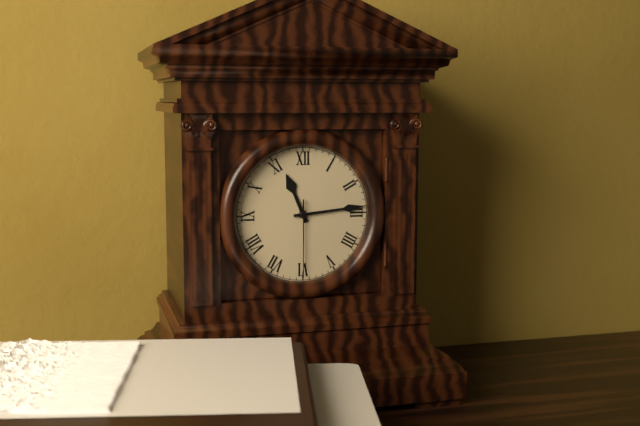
11:14:30
